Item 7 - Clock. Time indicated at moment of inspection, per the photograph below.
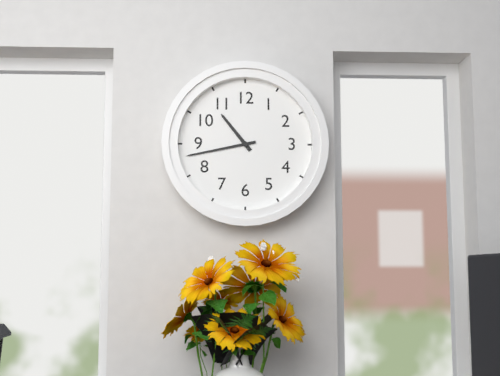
10:43
